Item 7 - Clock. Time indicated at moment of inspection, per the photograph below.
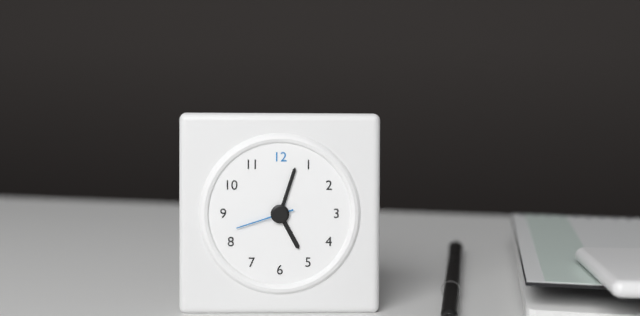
5:03:42
